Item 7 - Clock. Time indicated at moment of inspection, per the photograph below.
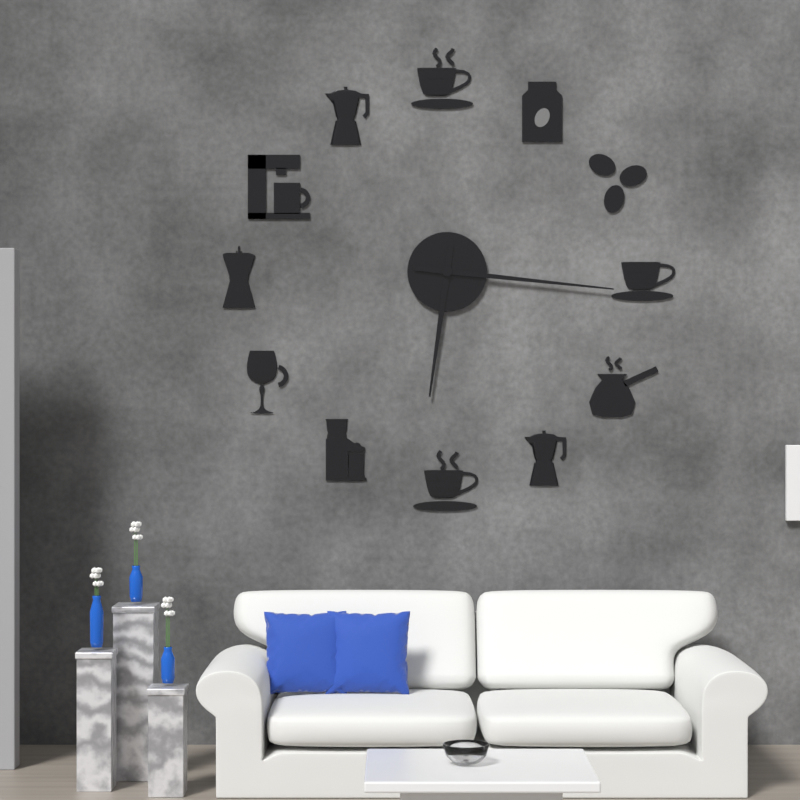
6:16
